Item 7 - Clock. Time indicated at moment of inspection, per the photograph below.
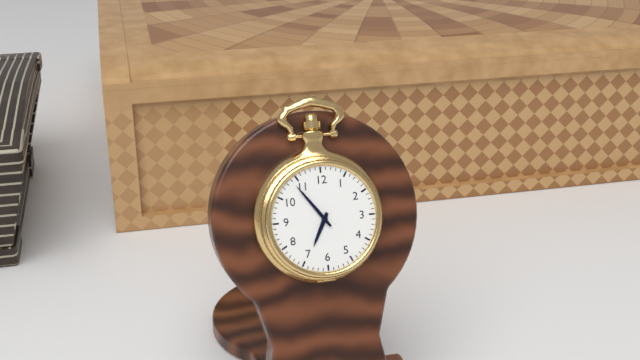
6:54
